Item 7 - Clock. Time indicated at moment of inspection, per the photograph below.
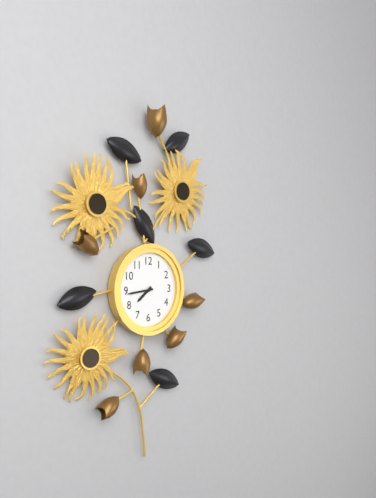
7:44
